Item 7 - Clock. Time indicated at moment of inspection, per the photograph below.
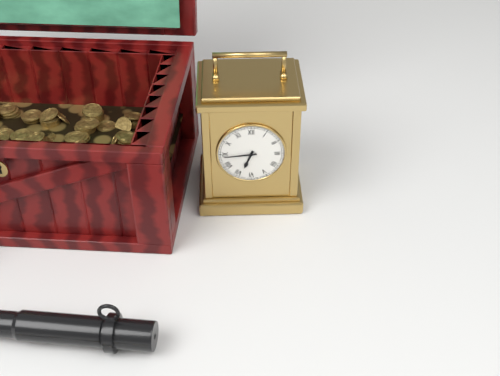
6:44
